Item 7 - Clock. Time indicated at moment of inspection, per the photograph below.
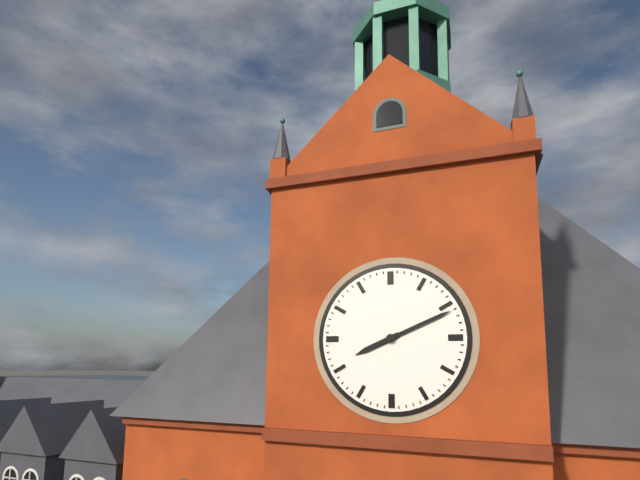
8:11
